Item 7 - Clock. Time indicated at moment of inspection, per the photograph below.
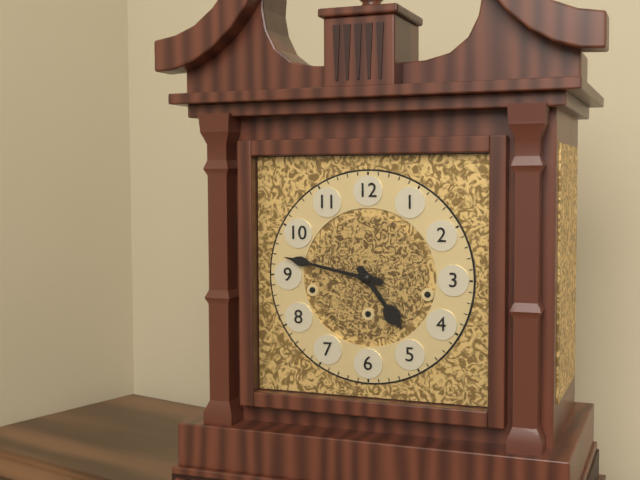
4:47
